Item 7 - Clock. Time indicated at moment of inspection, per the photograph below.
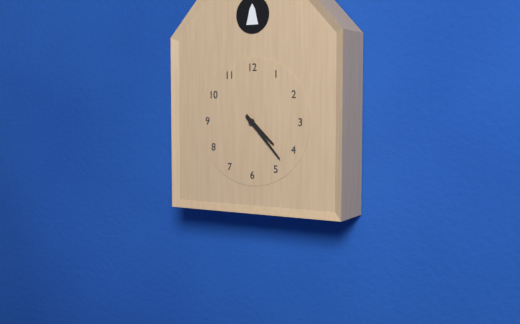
4:23
